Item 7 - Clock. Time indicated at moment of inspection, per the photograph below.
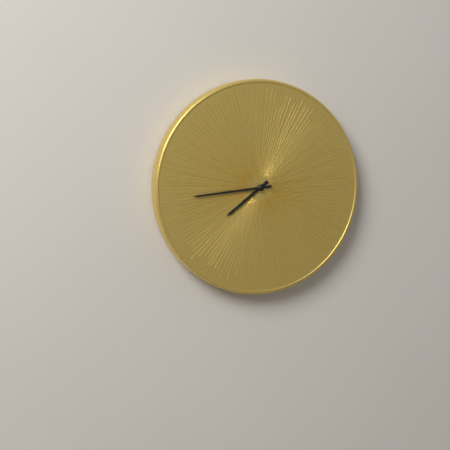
7:44
